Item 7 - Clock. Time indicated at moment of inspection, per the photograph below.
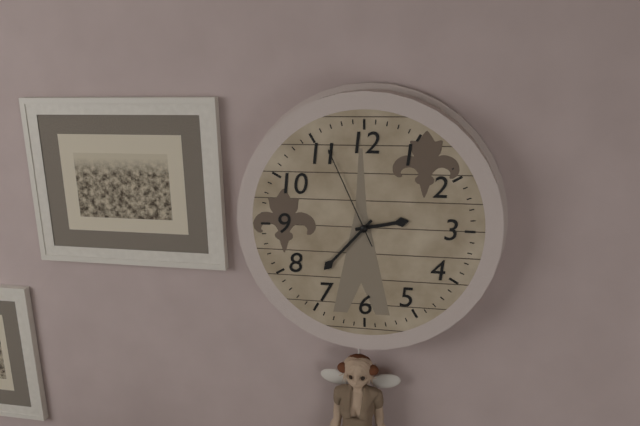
2:37:56
